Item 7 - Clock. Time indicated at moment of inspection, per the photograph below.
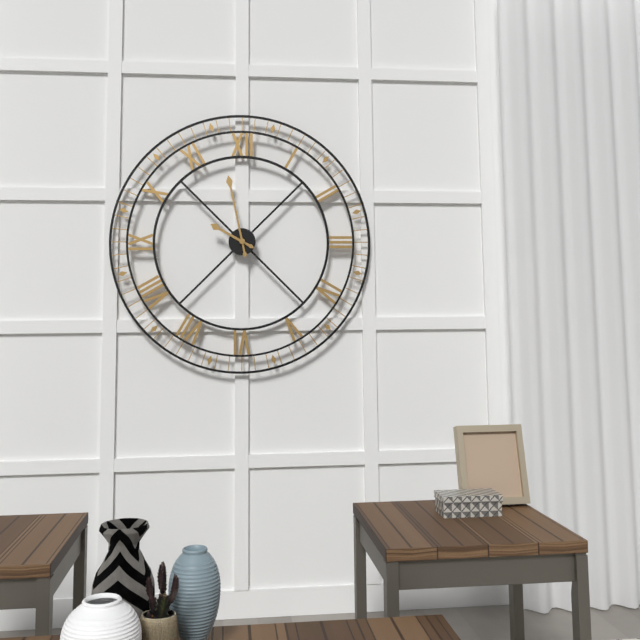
9:58
